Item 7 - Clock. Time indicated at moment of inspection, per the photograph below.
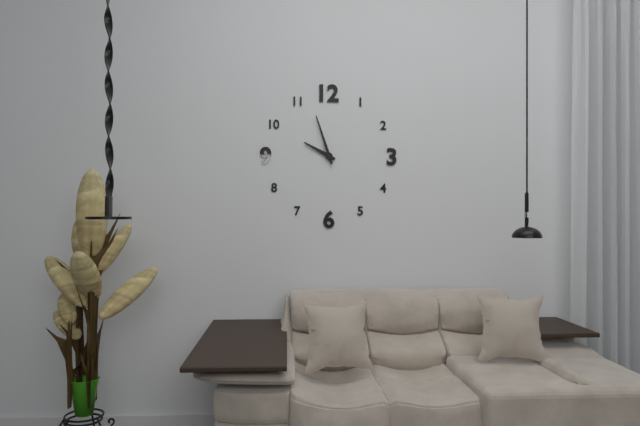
9:57
